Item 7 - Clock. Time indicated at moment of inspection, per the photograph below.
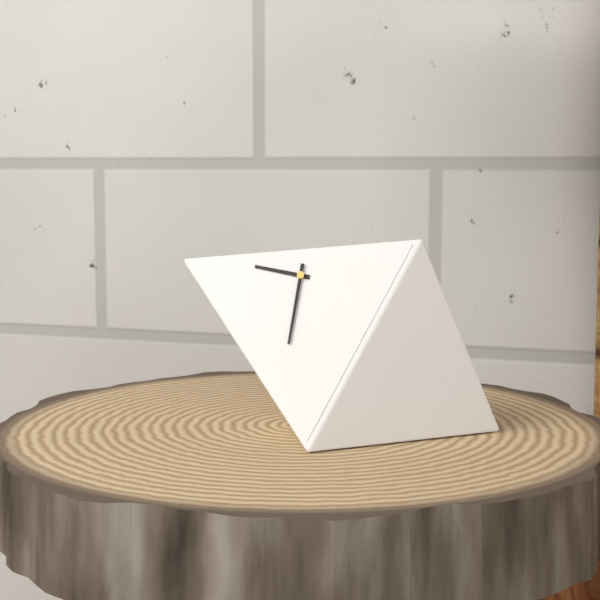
9:32
